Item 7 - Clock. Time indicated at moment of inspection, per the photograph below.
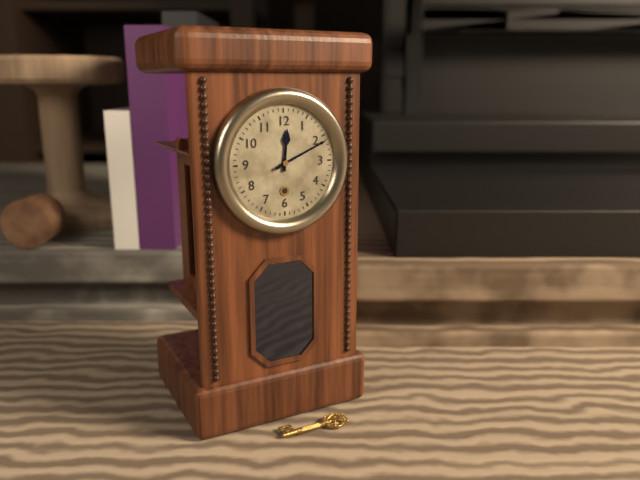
12:11
